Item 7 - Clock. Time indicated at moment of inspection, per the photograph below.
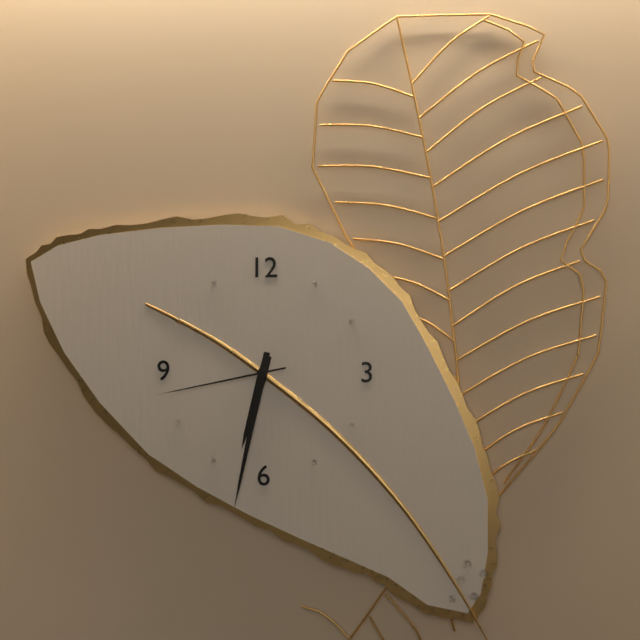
6:32:43
